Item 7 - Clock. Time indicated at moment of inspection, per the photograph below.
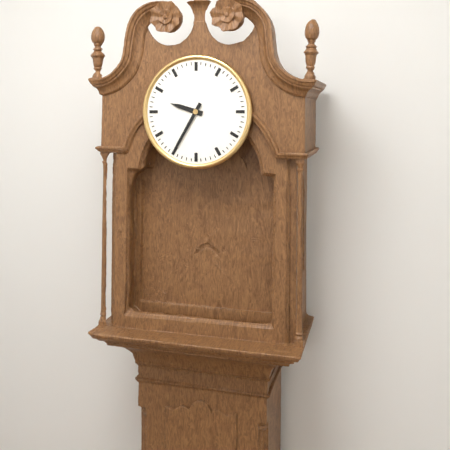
9:35
